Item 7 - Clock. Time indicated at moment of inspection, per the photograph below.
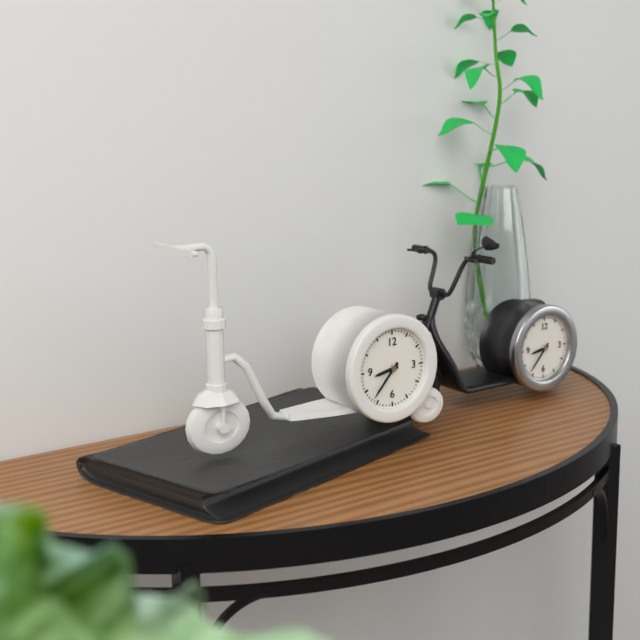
8:37
